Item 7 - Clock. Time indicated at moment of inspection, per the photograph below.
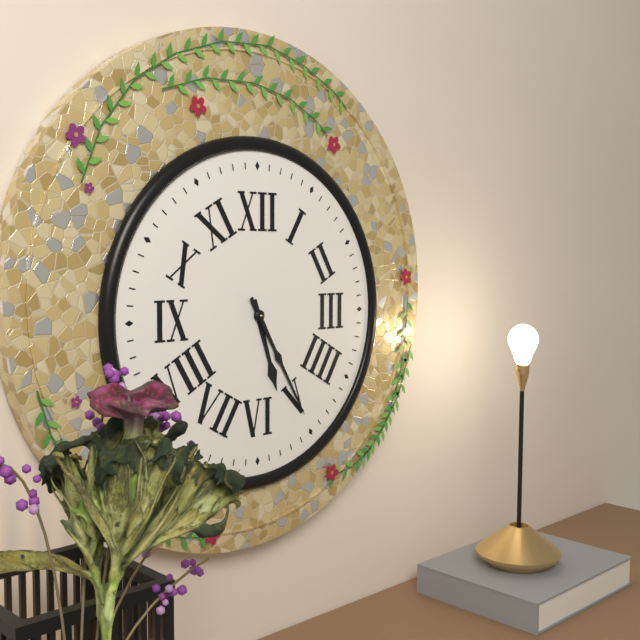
5:25
